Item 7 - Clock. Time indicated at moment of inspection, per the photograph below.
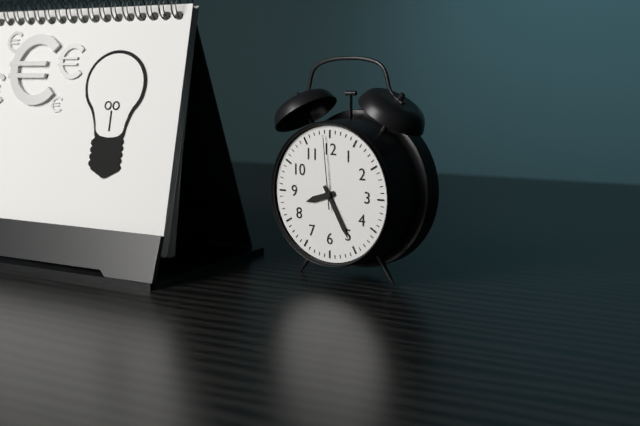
8:25:59
